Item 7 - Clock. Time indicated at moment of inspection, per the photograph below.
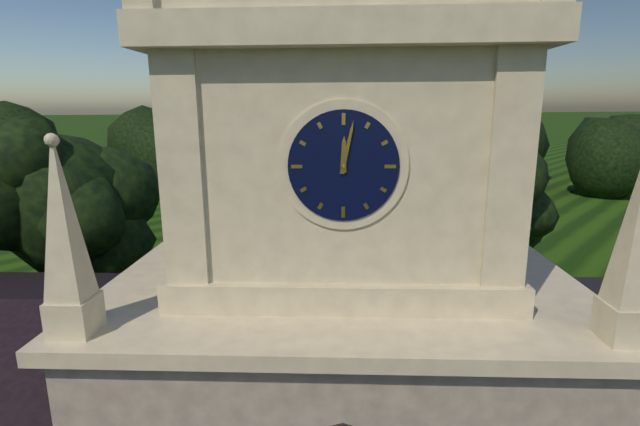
12:02
